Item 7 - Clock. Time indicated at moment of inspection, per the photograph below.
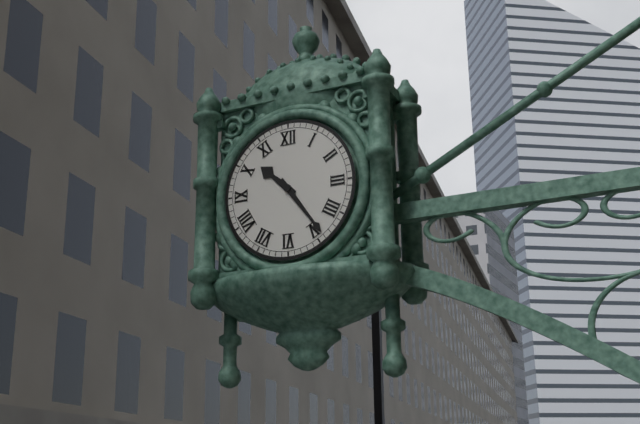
10:24
